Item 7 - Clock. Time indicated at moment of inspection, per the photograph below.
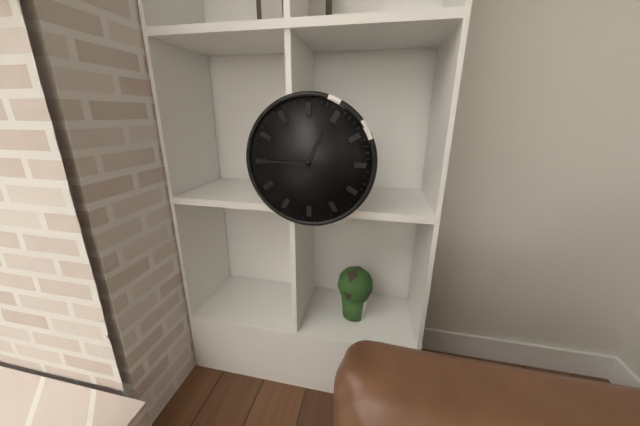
12:45
